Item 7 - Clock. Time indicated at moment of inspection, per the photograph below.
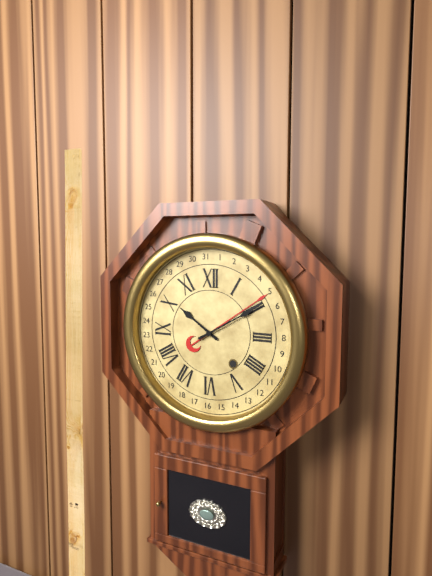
10:10
